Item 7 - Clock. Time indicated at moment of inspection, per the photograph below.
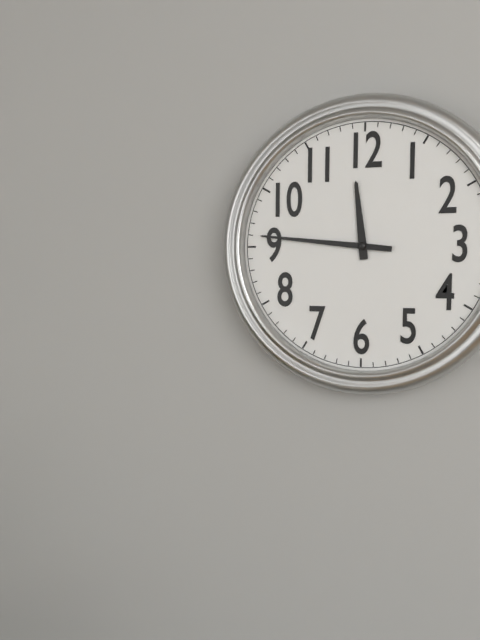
11:46
